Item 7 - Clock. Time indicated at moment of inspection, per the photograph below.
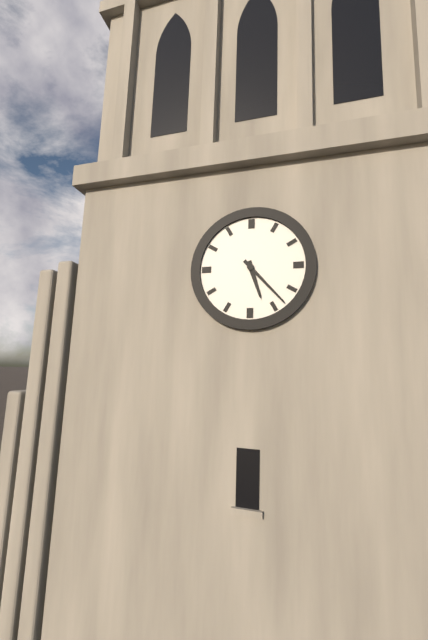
5:23
